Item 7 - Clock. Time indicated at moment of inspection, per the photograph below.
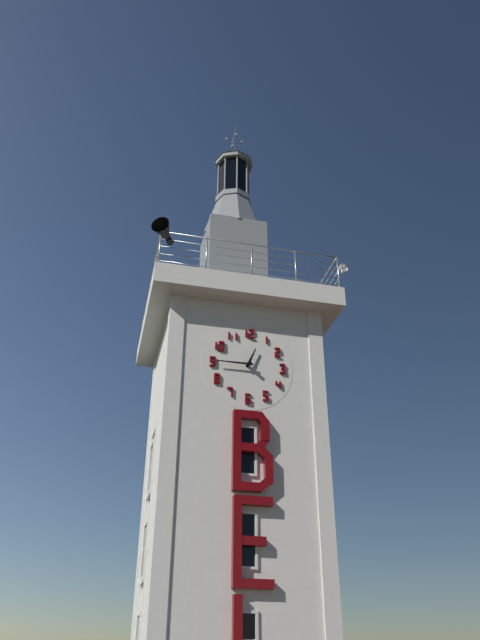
12:45
